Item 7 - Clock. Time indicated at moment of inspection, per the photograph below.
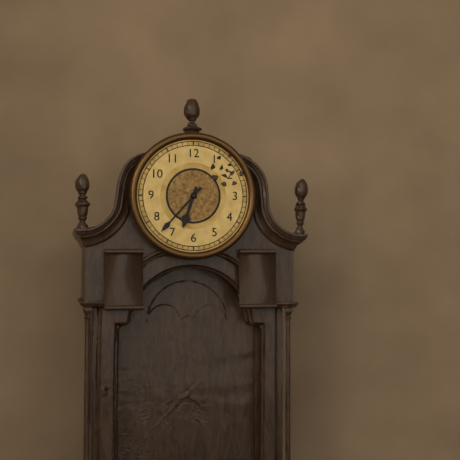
6:37
